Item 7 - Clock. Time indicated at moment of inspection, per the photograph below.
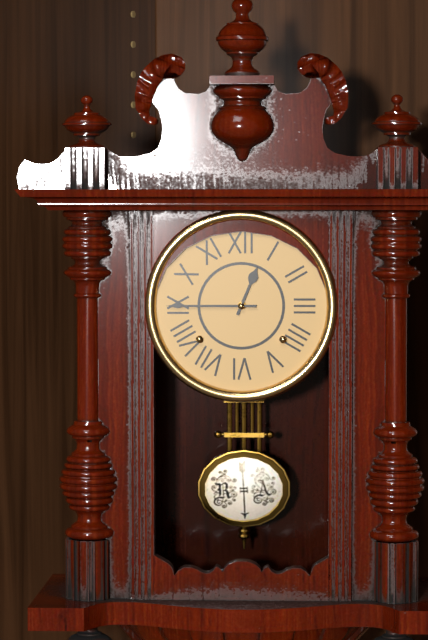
12:45
